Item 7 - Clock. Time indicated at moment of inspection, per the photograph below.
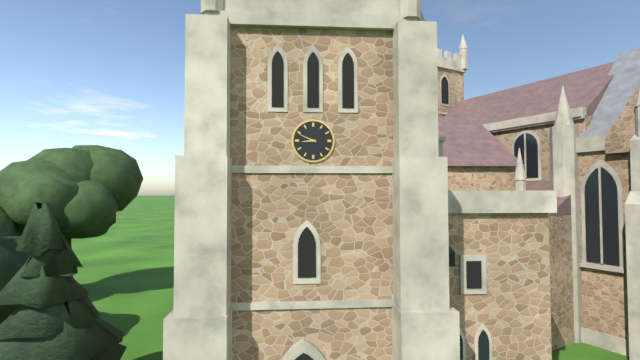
8:49
